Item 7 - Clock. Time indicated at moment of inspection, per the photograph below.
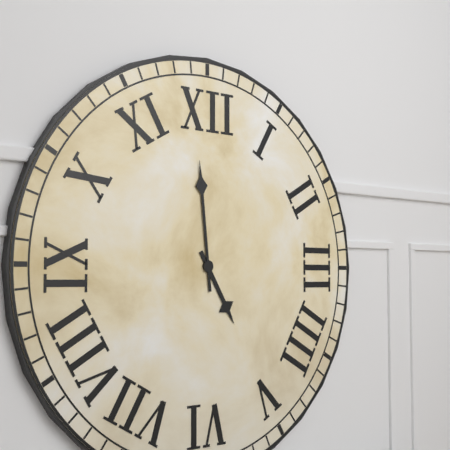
4:59
